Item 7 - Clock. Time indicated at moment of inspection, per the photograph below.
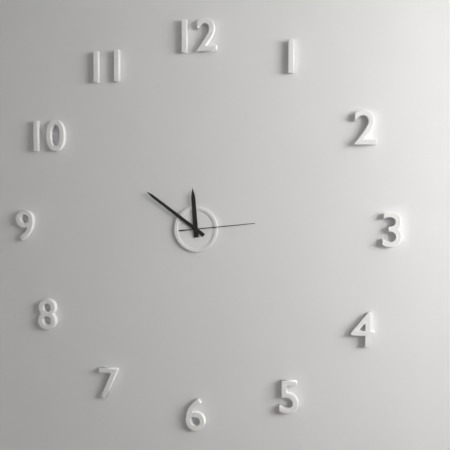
11:51:14
